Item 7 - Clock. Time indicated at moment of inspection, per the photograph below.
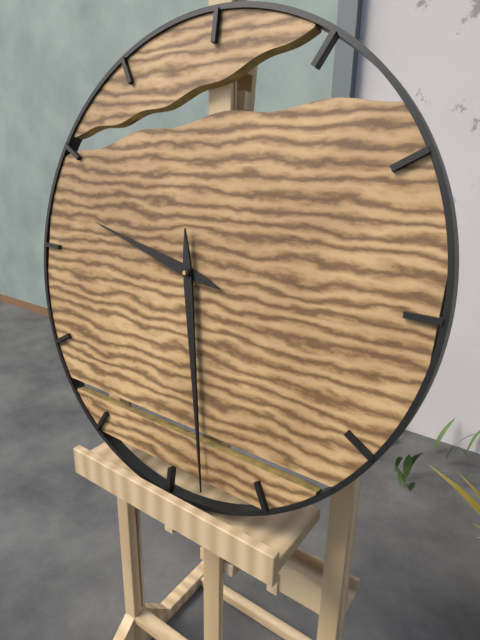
9:28
